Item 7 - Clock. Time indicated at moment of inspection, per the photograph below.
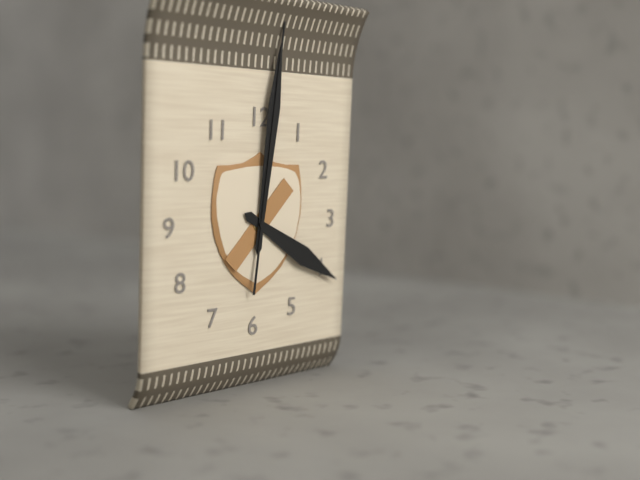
4:01:01
